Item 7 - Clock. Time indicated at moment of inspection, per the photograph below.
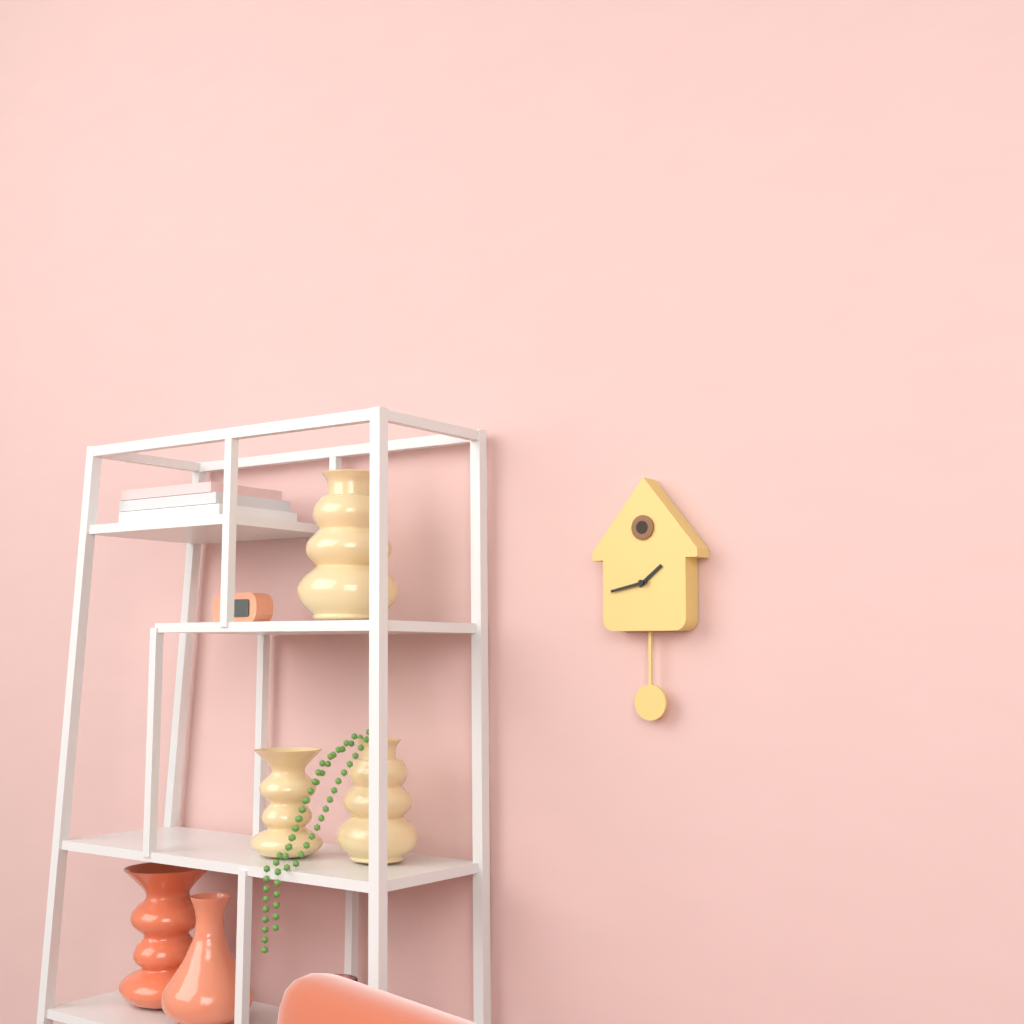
1:43
